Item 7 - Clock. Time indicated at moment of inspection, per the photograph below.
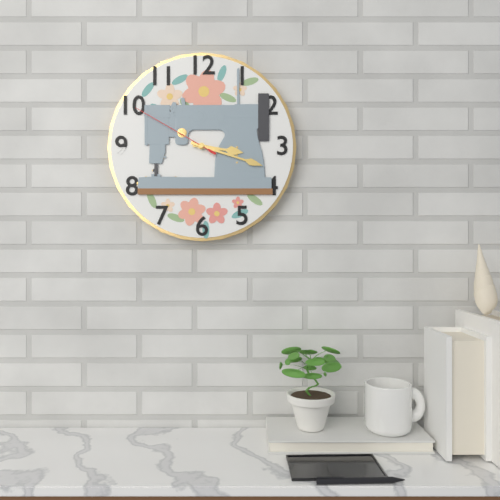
3:18:50
